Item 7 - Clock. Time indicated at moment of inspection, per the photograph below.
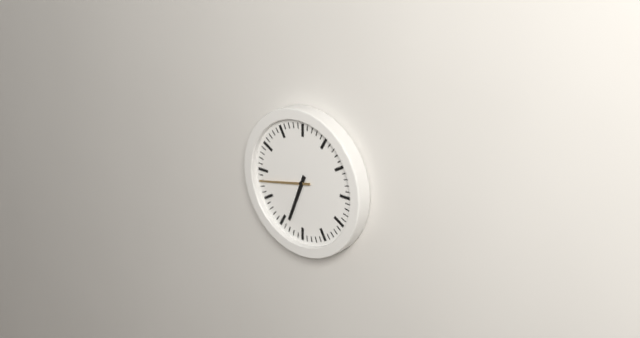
6:43
